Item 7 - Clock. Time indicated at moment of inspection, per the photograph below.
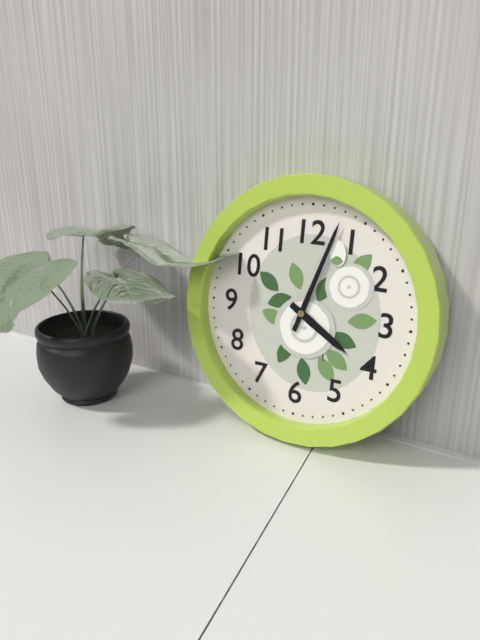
4:03
